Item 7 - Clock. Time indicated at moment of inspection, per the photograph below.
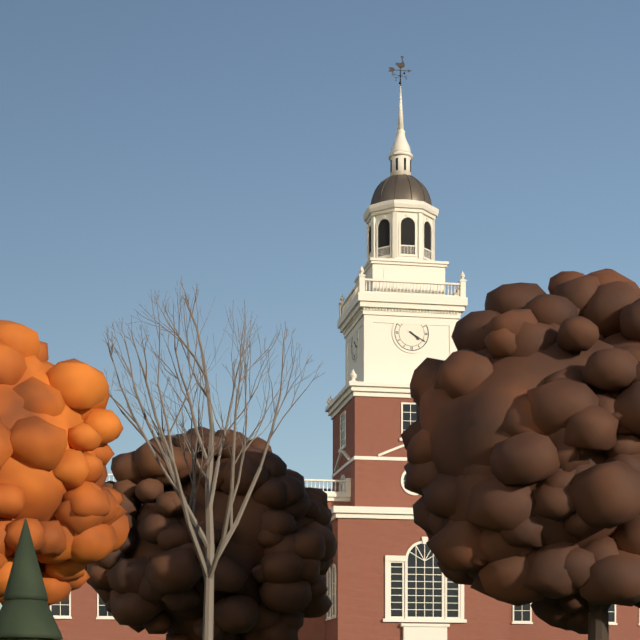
4:20
